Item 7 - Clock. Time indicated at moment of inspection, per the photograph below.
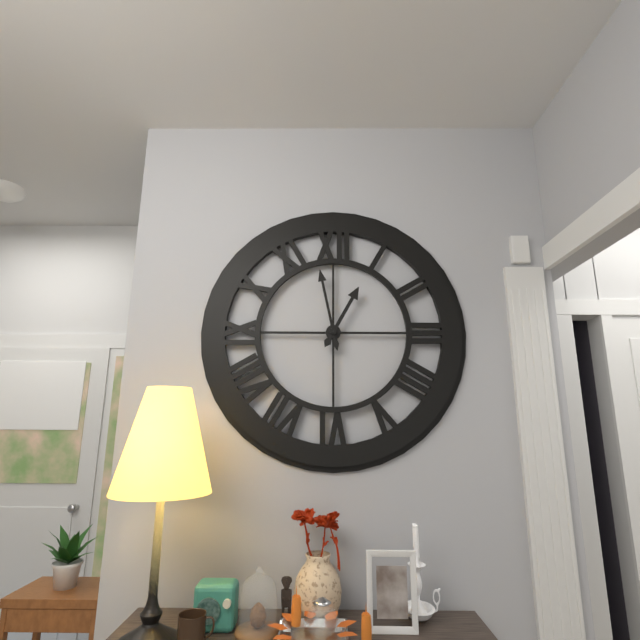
12:58
